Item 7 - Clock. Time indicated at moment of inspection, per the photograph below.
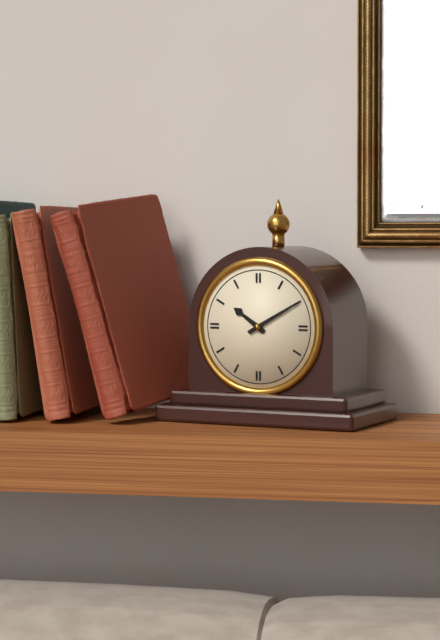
10:10
